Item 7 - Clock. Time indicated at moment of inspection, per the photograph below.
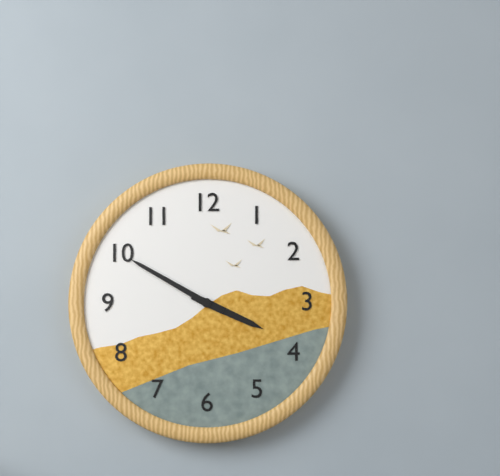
3:50
